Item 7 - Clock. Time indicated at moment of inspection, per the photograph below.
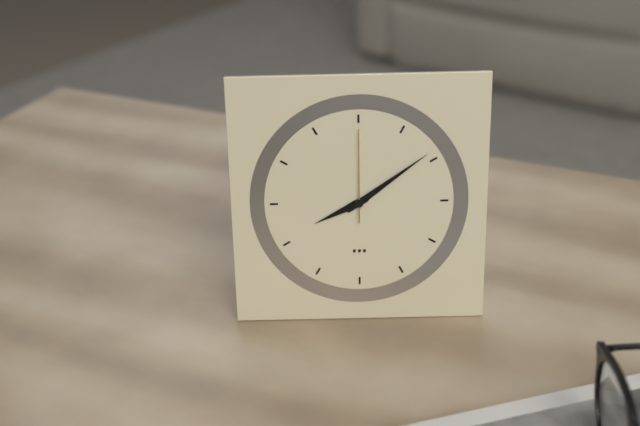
8:09:00
